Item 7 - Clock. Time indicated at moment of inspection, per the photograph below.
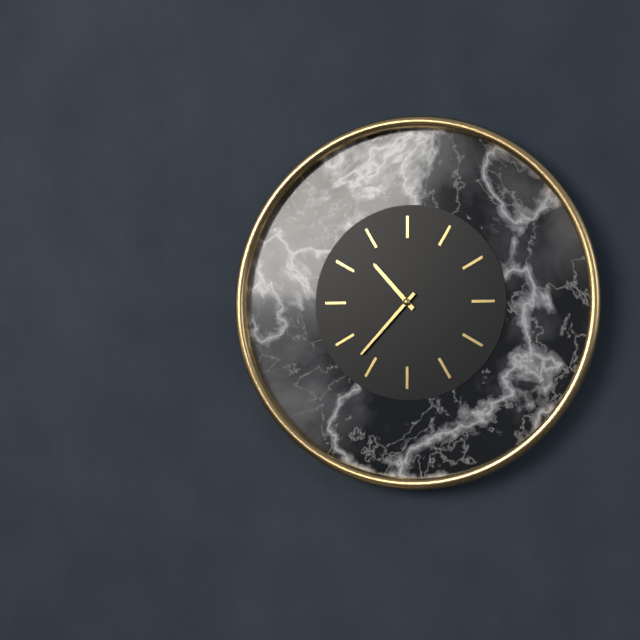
10:37
